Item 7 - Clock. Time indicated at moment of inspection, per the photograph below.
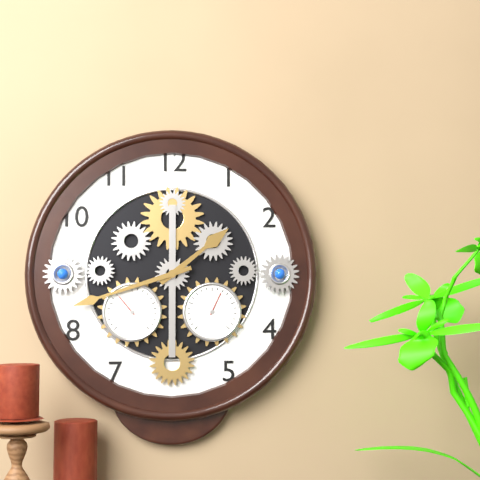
1:42
